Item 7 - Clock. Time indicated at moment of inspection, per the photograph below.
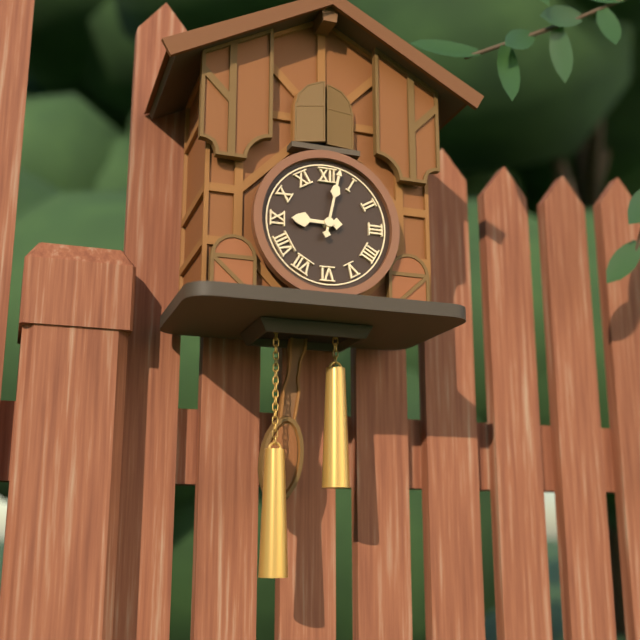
9:02
